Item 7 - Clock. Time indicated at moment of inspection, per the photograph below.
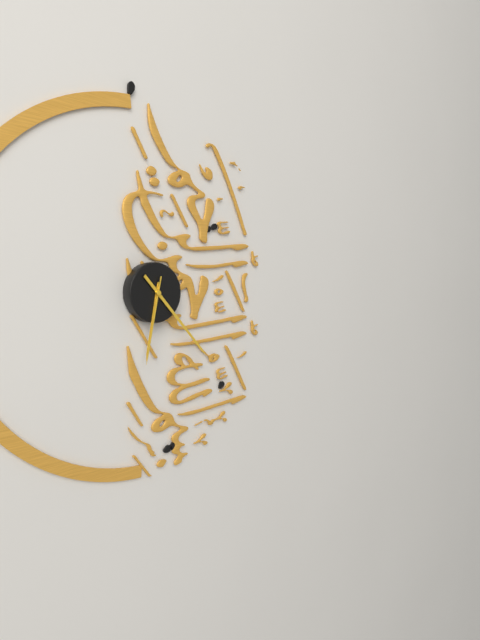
6:23:32
